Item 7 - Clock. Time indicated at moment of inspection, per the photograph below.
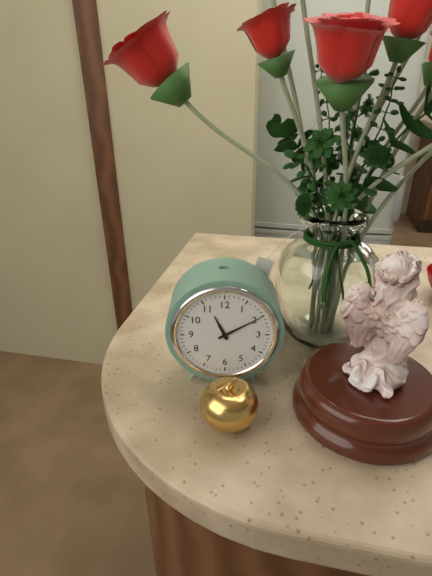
11:10
